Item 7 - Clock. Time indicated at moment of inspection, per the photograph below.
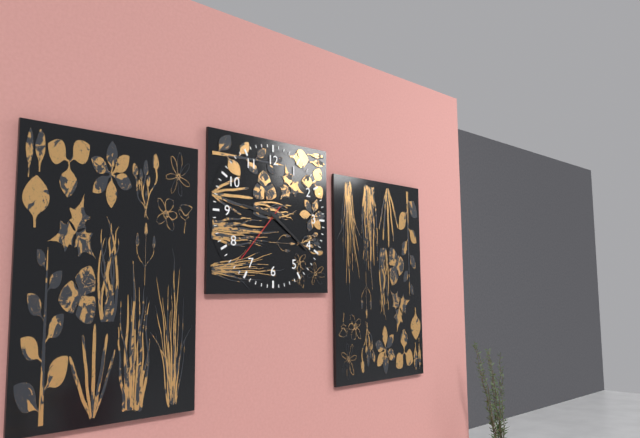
9:21:37
